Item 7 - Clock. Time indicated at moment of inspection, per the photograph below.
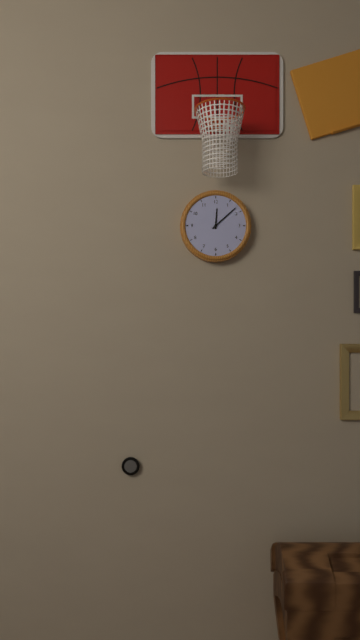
12:08
